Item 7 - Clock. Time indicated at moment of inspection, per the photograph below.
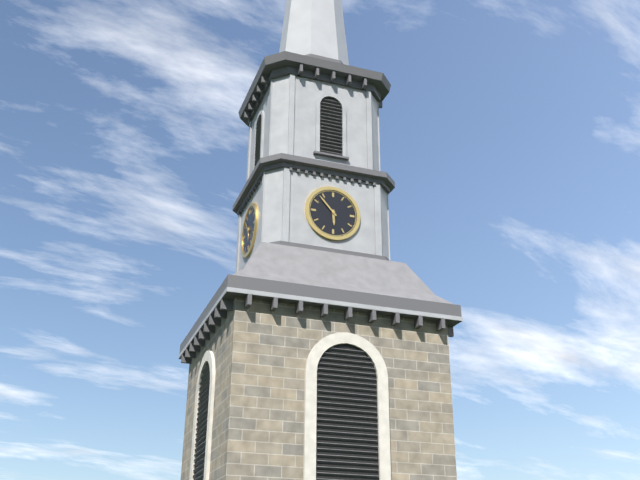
5:53
